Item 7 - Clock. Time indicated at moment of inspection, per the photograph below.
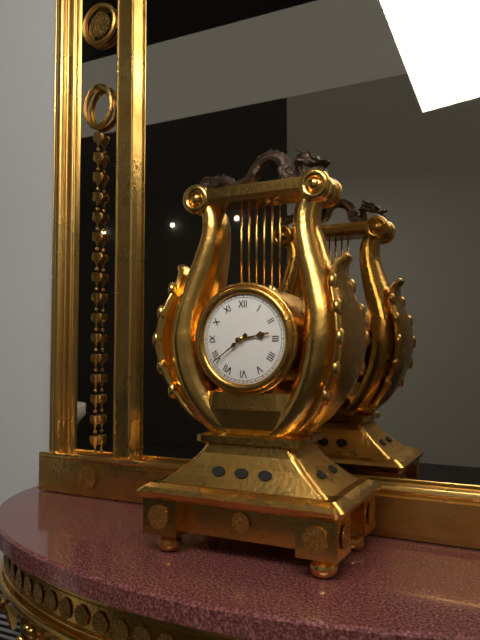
2:39
